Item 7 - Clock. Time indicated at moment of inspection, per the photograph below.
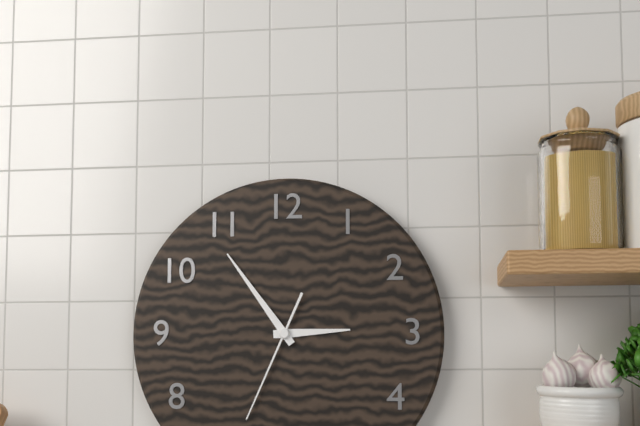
2:54:34
